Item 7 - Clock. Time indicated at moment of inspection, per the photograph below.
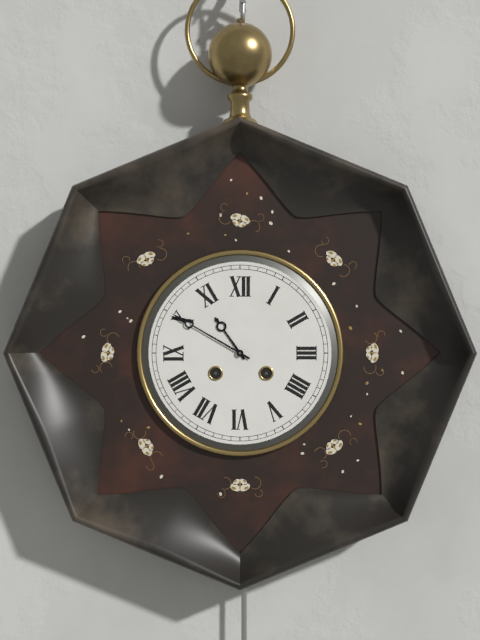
10:50
